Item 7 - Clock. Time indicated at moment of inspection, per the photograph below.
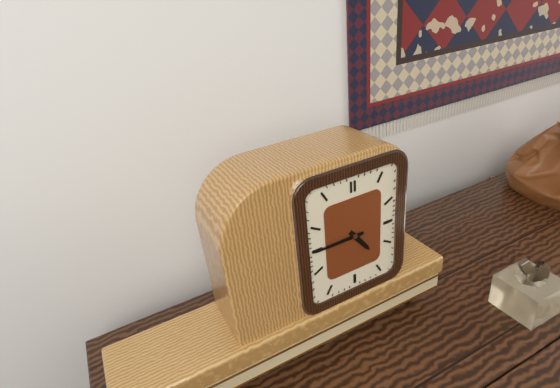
4:45
